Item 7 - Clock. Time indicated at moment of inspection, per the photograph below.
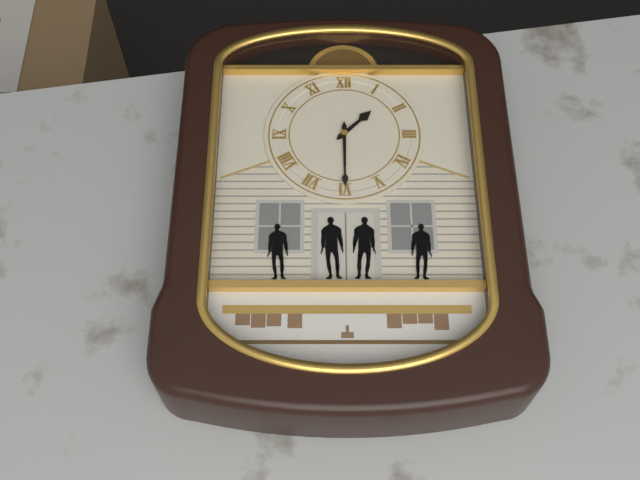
1:30
